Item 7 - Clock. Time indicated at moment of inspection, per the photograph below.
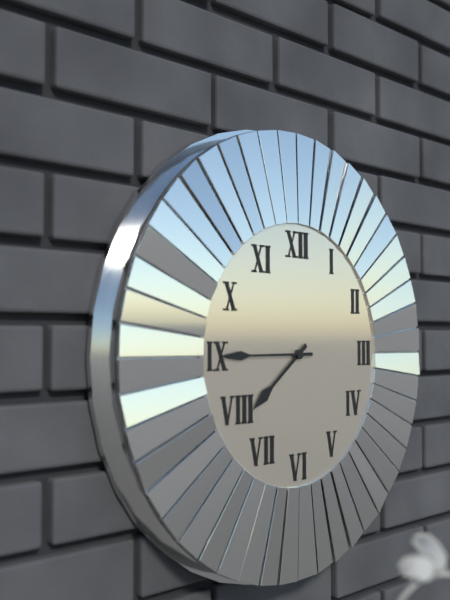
7:45
